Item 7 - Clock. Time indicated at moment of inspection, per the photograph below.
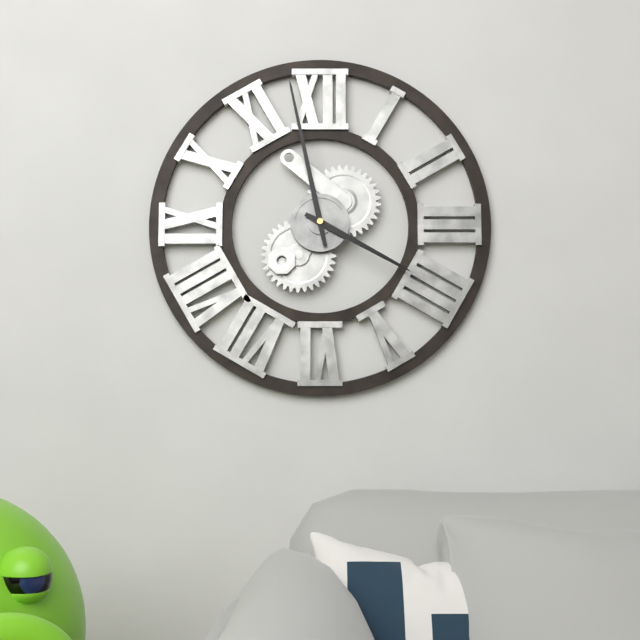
3:58
